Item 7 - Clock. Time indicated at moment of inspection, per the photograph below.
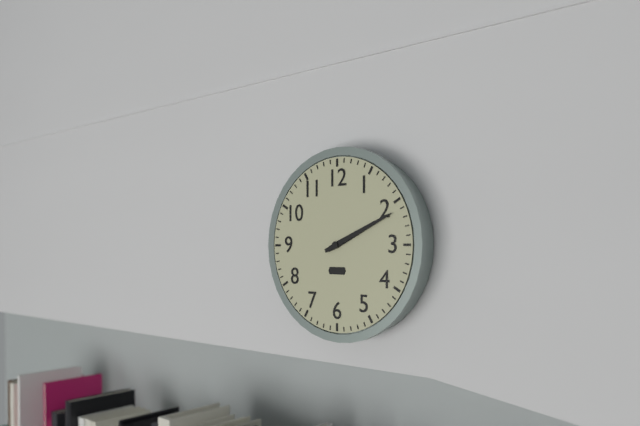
2:11
